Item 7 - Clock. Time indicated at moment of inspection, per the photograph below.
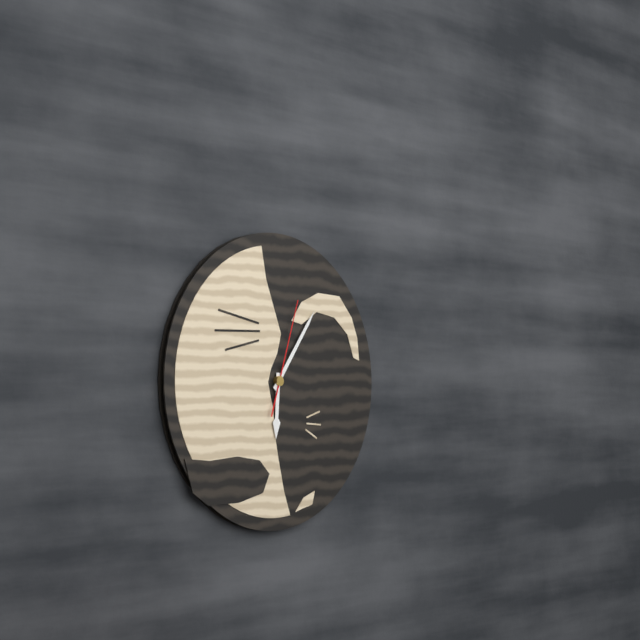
6:06:03
